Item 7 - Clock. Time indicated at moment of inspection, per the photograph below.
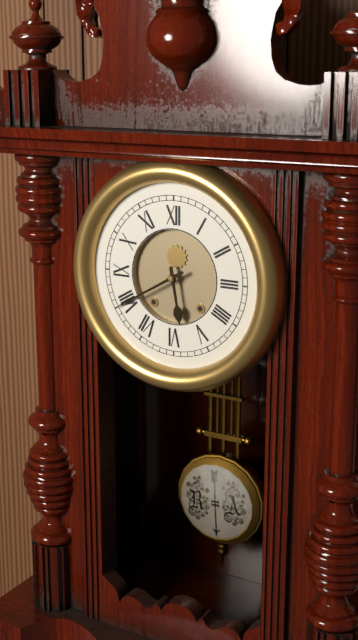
5:40
